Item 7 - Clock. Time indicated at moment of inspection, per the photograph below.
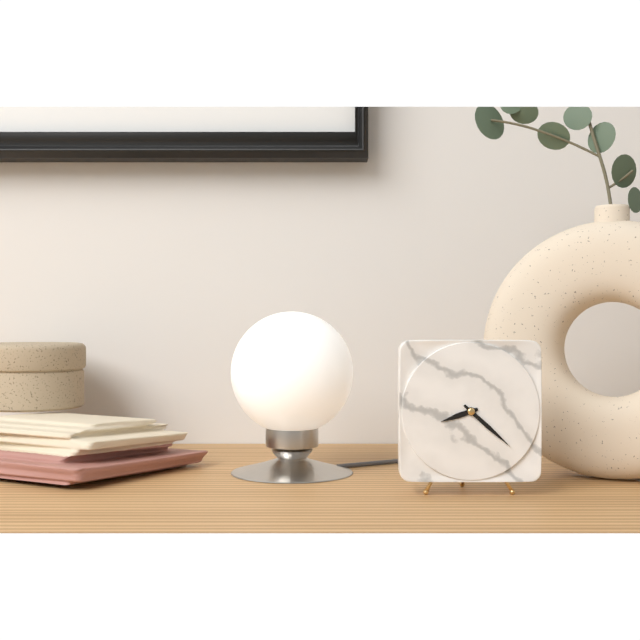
8:22
